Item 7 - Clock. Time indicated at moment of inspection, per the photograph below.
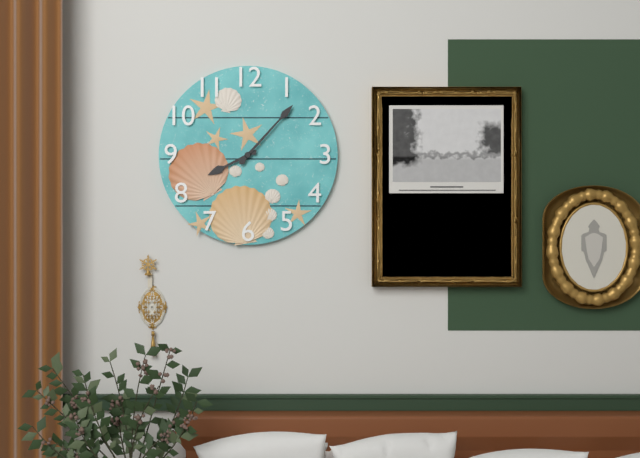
8:07
